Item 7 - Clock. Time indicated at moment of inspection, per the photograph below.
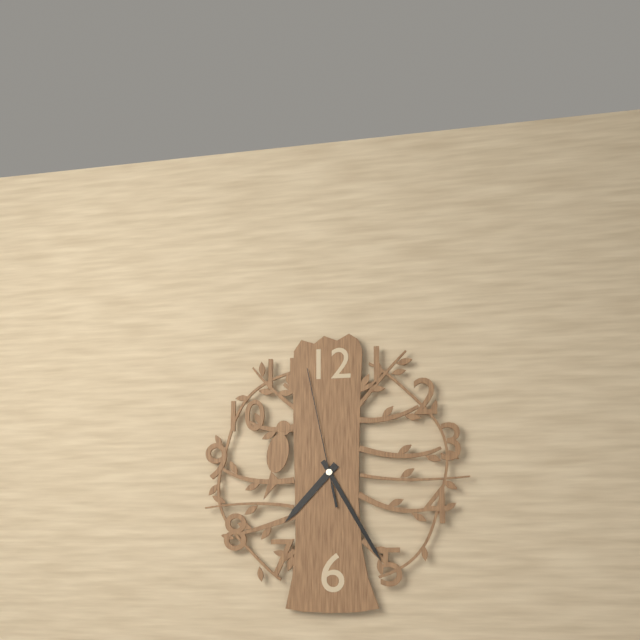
7:25:58
